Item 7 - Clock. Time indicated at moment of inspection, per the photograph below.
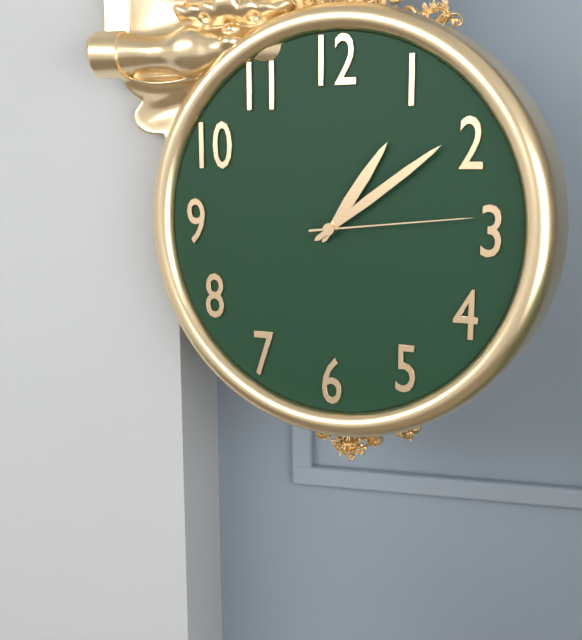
1:09:14
